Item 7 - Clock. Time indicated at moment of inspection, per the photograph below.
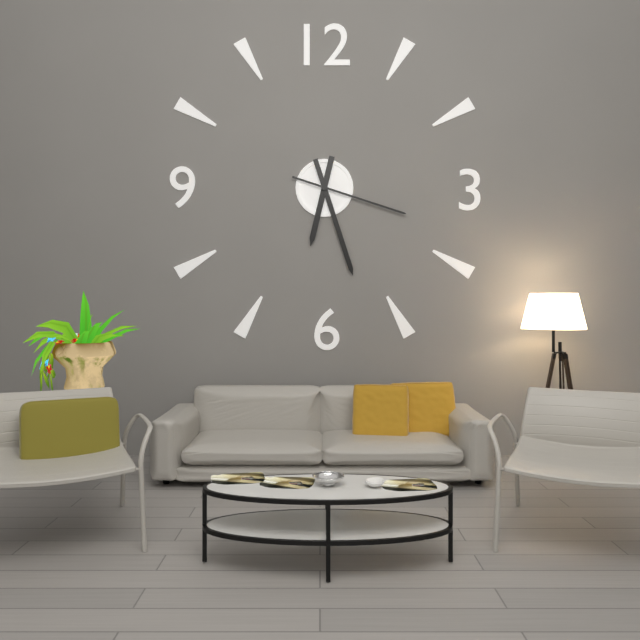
6:27:18
